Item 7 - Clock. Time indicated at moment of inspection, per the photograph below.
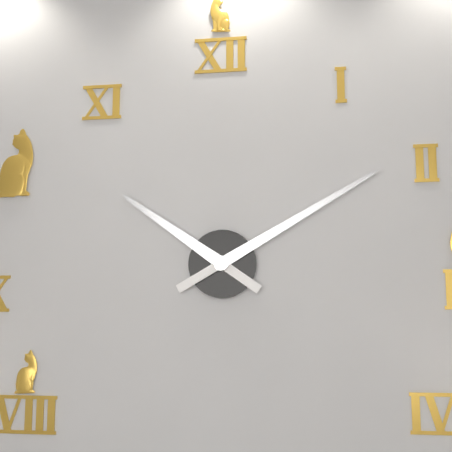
10:10
